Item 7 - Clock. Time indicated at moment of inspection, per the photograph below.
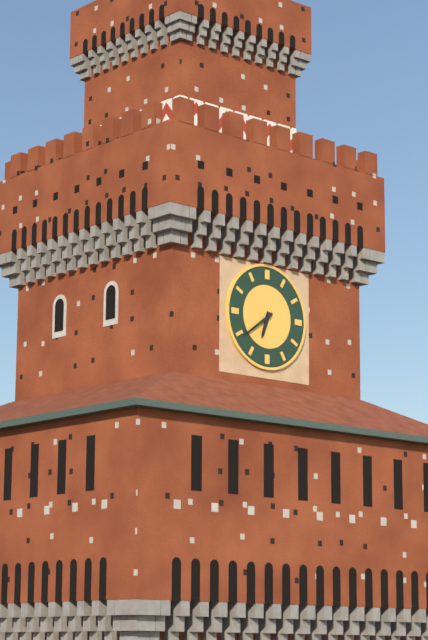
6:39
